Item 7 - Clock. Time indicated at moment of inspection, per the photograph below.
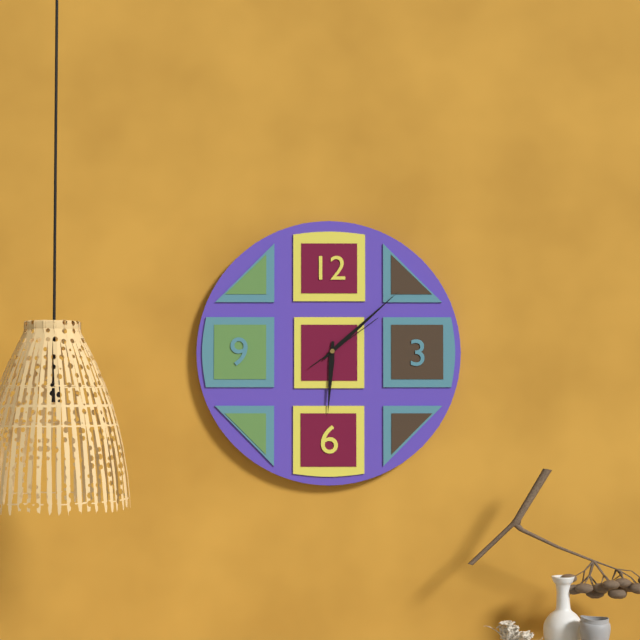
6:08:09
